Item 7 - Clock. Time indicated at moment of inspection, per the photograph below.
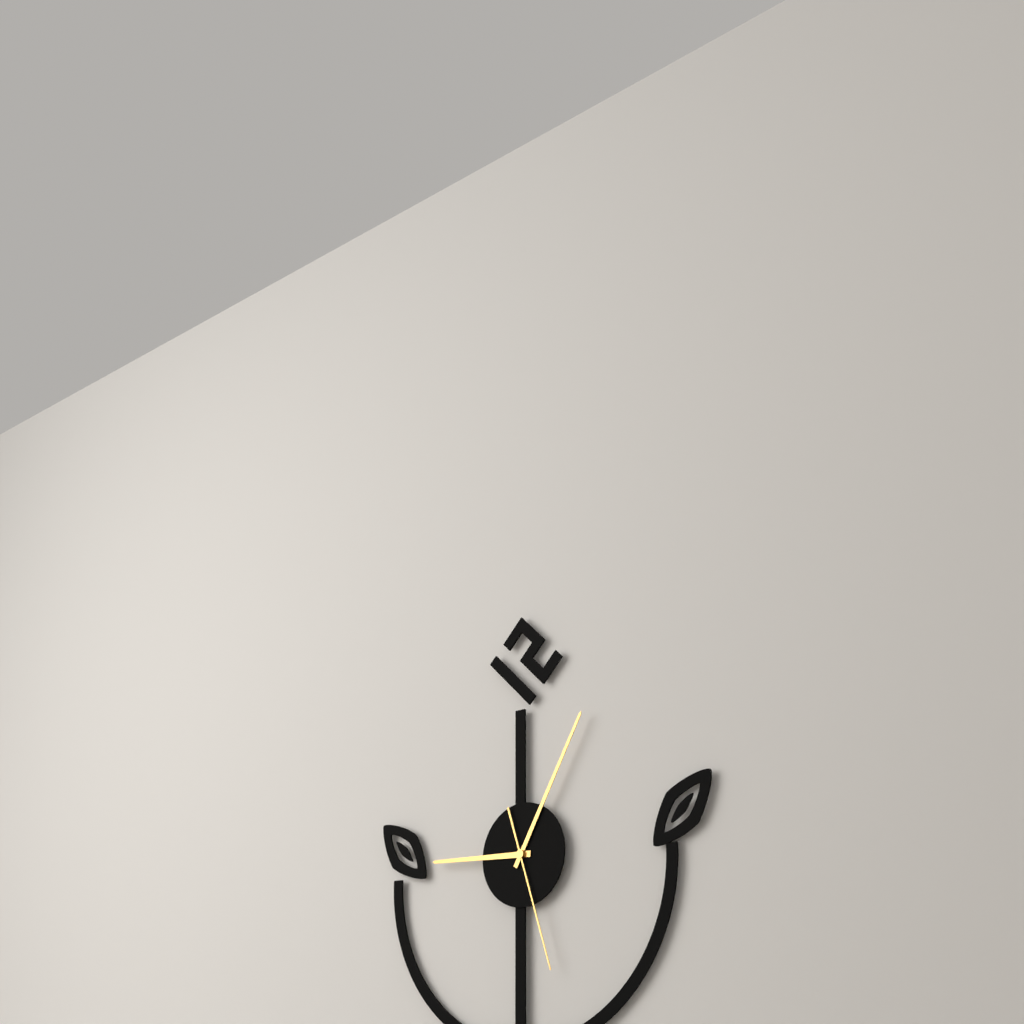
9:05:27
